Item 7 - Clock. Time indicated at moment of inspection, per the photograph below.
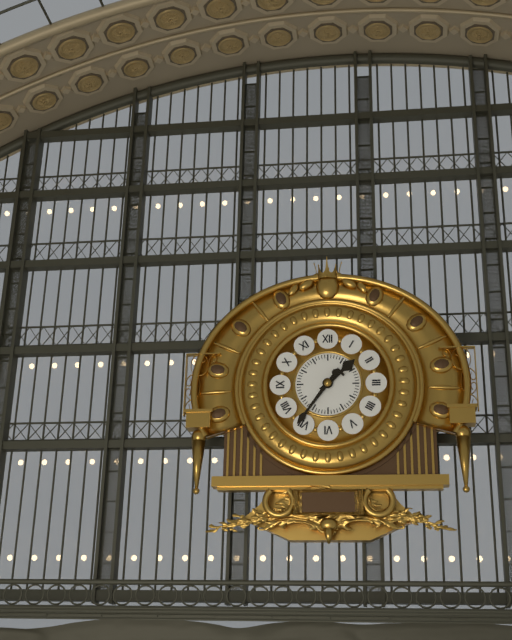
1:36
